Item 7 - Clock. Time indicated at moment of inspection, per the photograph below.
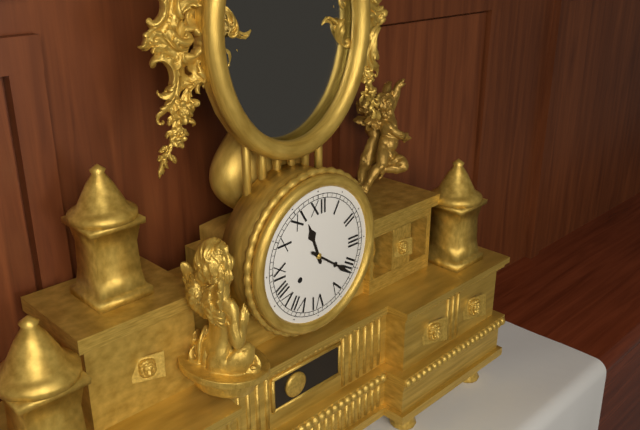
11:21
